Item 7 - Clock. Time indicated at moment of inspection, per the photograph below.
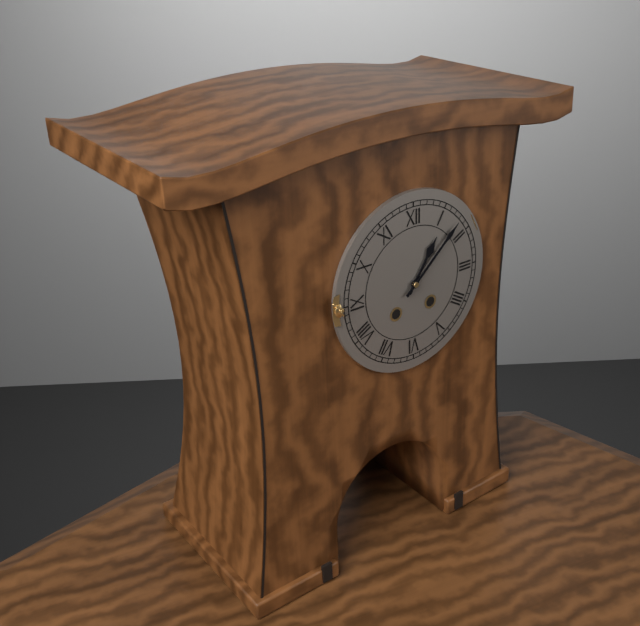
1:08
